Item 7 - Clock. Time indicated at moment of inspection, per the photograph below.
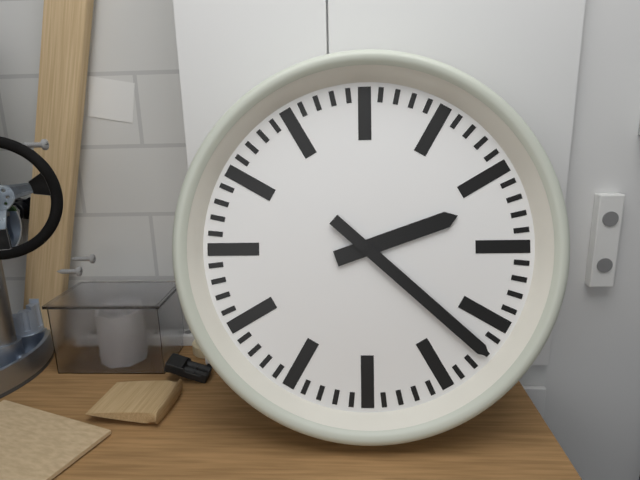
2:22
